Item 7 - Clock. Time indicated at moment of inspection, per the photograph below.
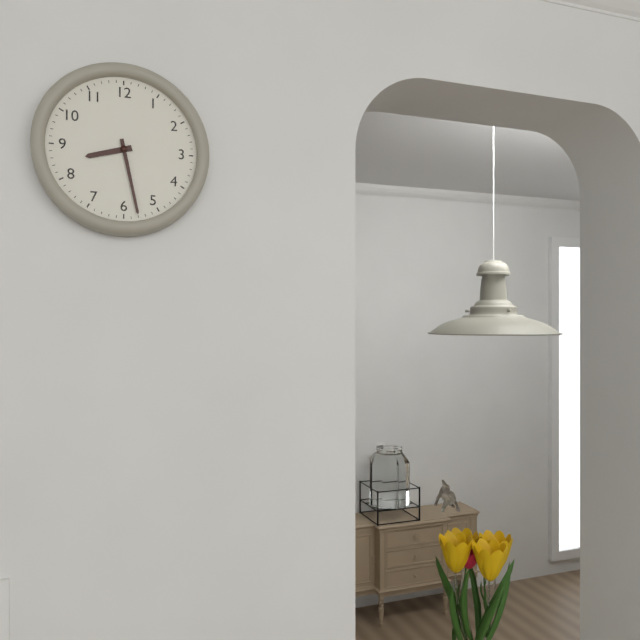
8:28
